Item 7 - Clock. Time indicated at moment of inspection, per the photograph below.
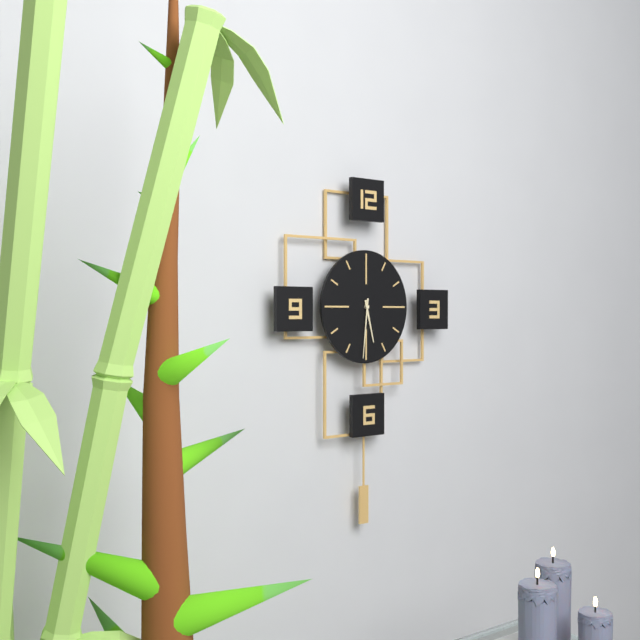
5:31
